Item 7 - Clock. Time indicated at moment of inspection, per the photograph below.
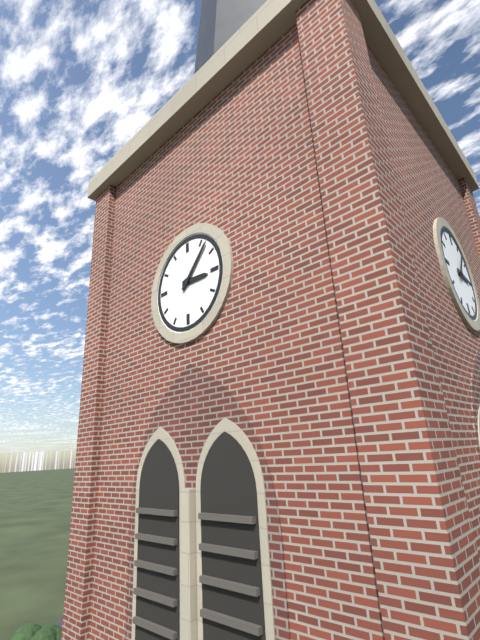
3:07
